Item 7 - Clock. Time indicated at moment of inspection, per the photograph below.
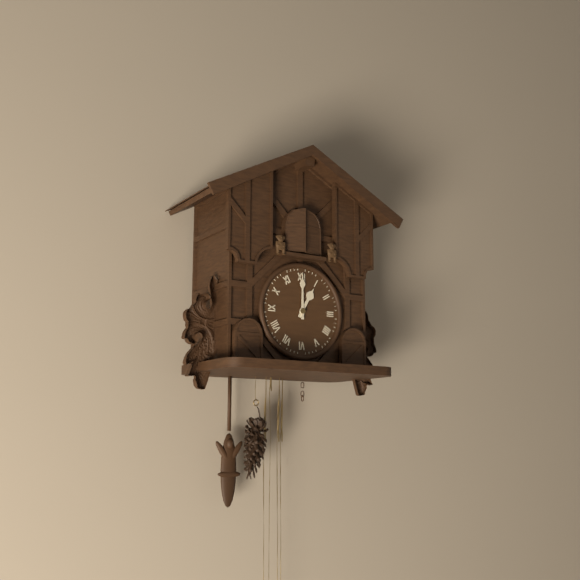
1:00
